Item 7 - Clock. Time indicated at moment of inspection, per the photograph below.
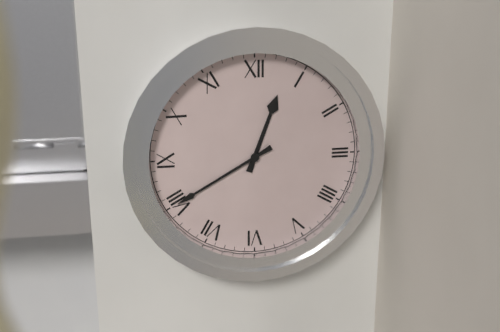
12:40
